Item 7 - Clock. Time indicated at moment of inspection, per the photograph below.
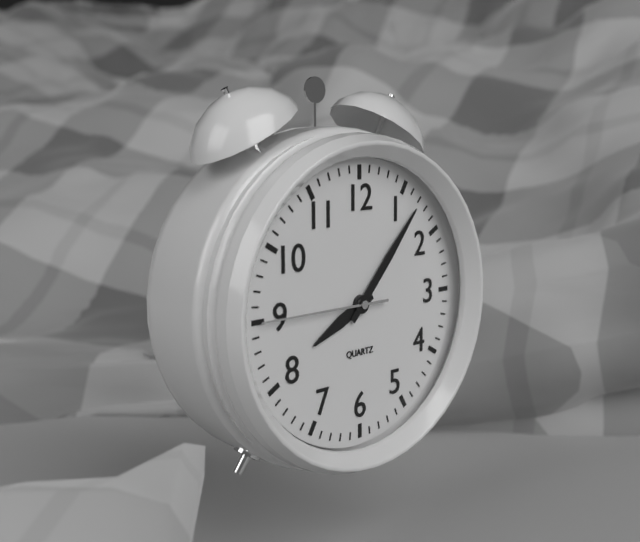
8:07:45
